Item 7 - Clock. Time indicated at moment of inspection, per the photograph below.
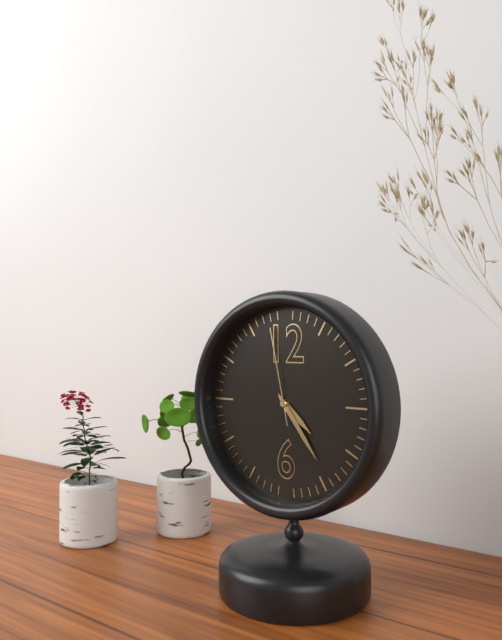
4:24:58
